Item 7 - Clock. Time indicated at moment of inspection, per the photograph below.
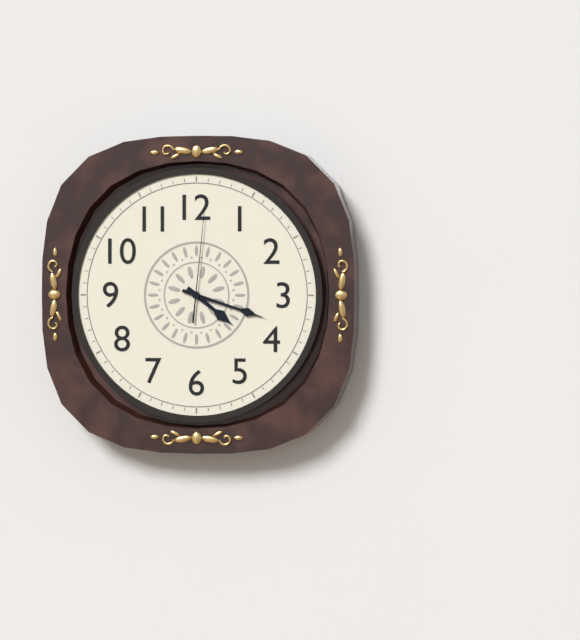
4:18:01
